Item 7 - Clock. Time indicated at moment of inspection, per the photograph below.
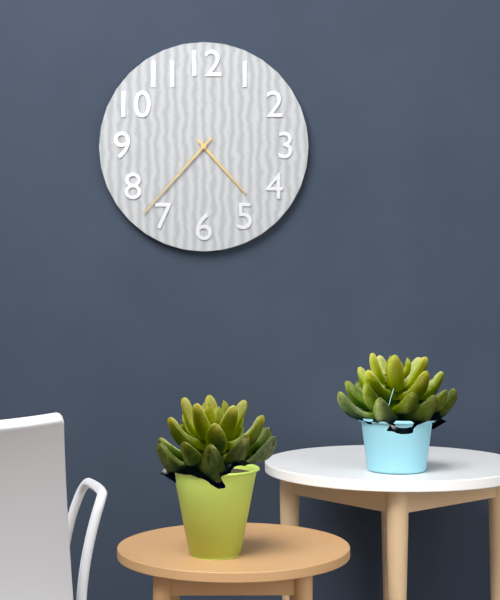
4:37
